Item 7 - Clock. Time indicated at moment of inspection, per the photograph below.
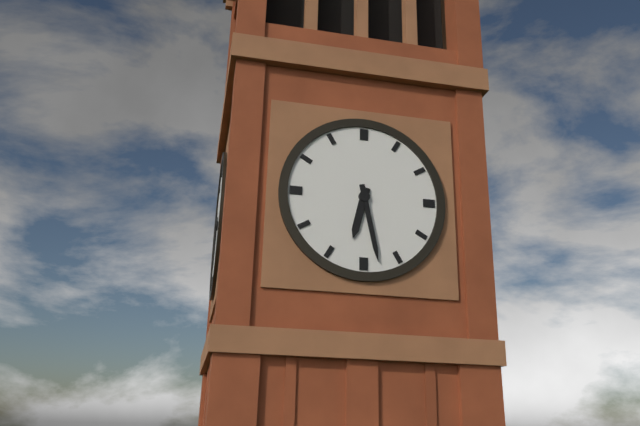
6:28
